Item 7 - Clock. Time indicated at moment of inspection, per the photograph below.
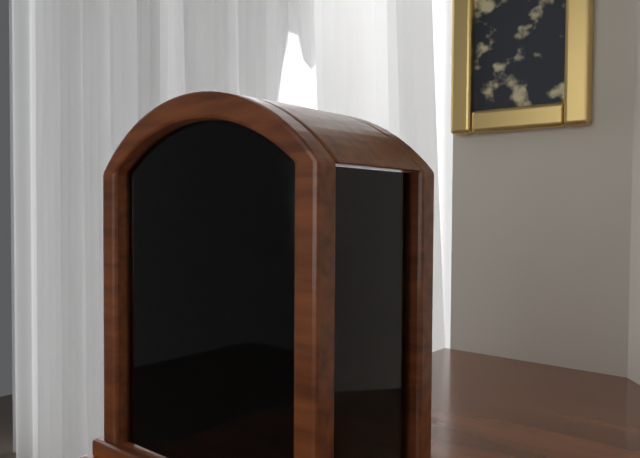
8:33
